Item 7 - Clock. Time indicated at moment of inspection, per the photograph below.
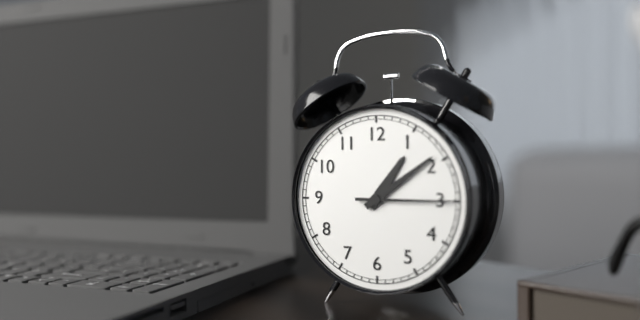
1:09:15
